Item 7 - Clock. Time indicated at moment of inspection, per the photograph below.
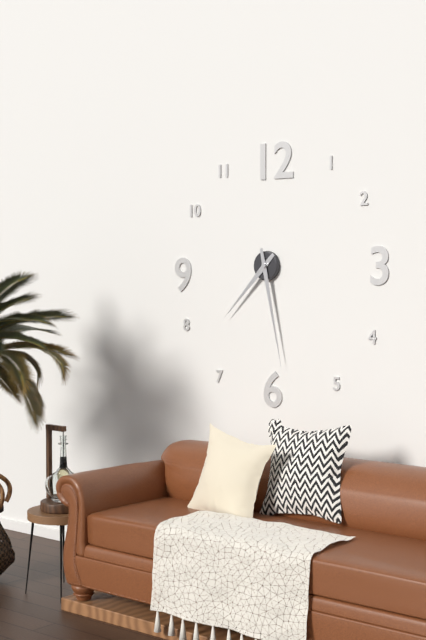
7:28
